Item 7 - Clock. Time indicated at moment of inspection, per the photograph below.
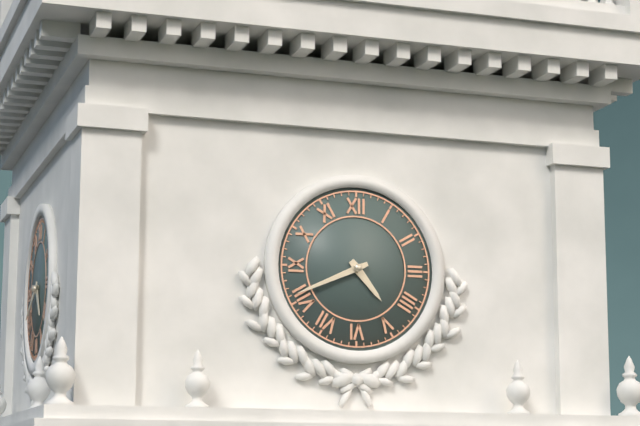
4:41
